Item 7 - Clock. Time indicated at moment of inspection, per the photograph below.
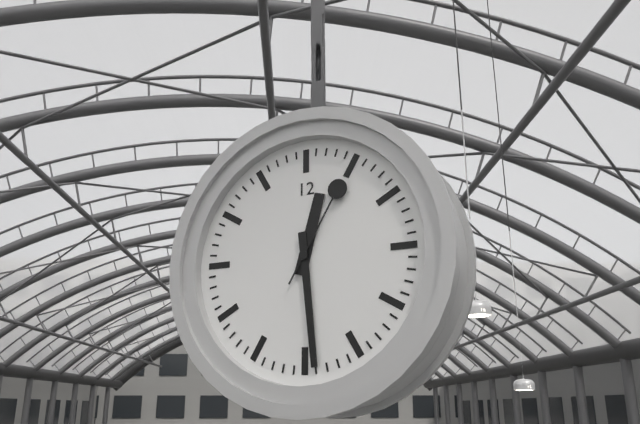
12:29:05
